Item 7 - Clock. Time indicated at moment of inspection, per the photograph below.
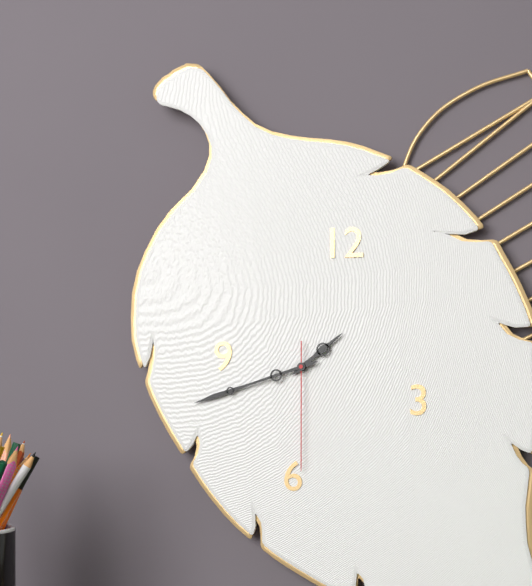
1:42:30
